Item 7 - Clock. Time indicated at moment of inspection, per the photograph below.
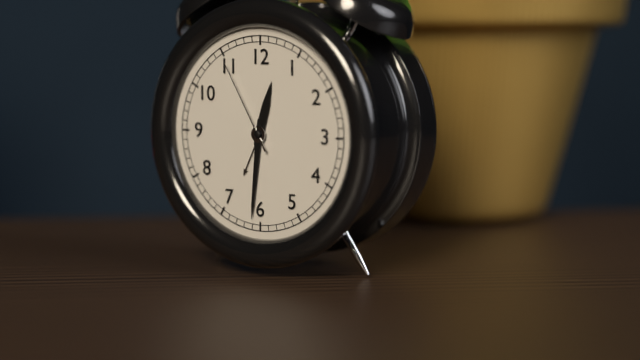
12:31:55
